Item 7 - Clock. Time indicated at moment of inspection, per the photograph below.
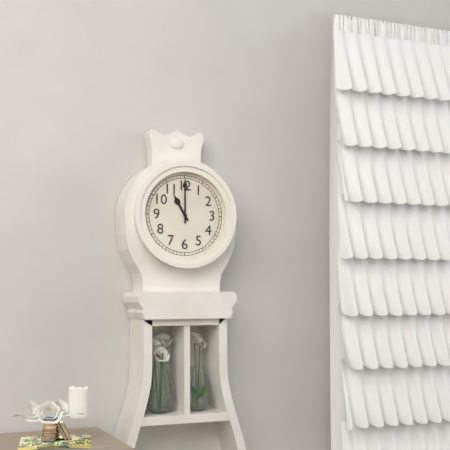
11:00
